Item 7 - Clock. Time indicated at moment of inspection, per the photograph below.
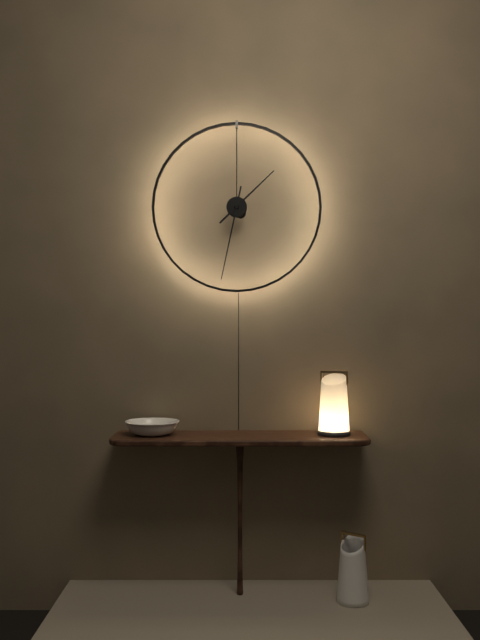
1:32
